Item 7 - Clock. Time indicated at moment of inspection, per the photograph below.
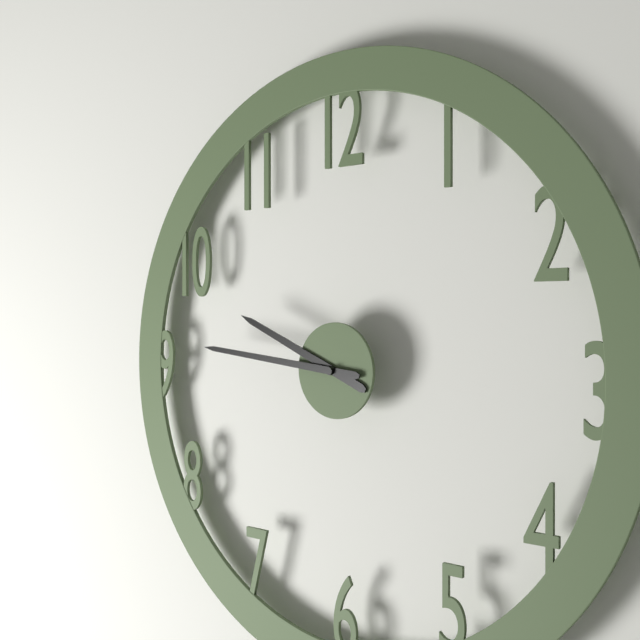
9:46
